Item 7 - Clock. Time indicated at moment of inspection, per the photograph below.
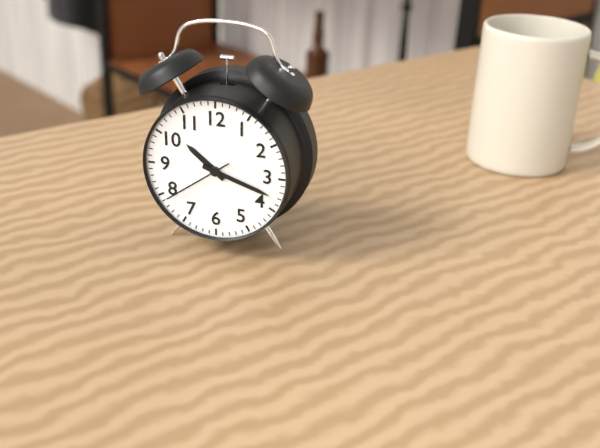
10:18:39
